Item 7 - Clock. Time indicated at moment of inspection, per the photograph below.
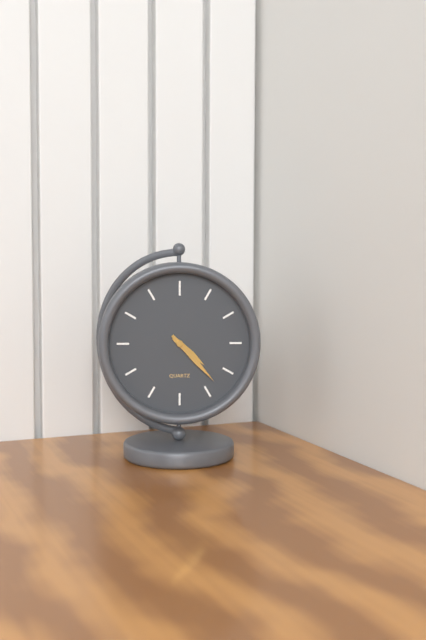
4:23
